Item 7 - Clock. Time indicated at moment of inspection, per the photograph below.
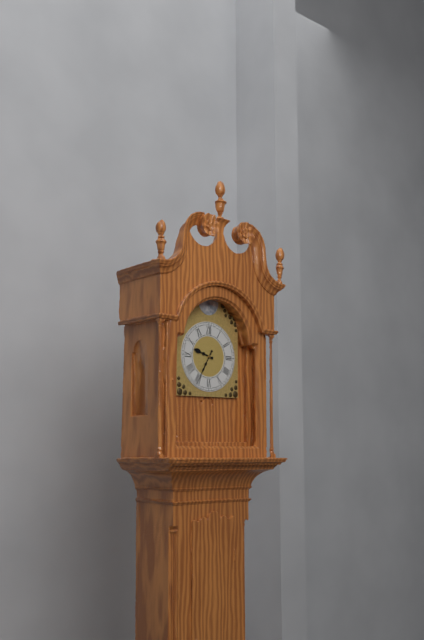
9:35
